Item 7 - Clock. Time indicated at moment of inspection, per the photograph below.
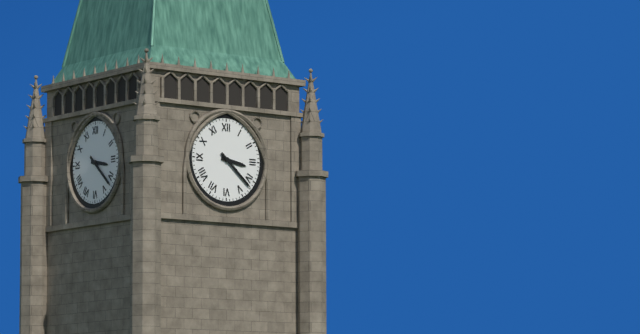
3:22
